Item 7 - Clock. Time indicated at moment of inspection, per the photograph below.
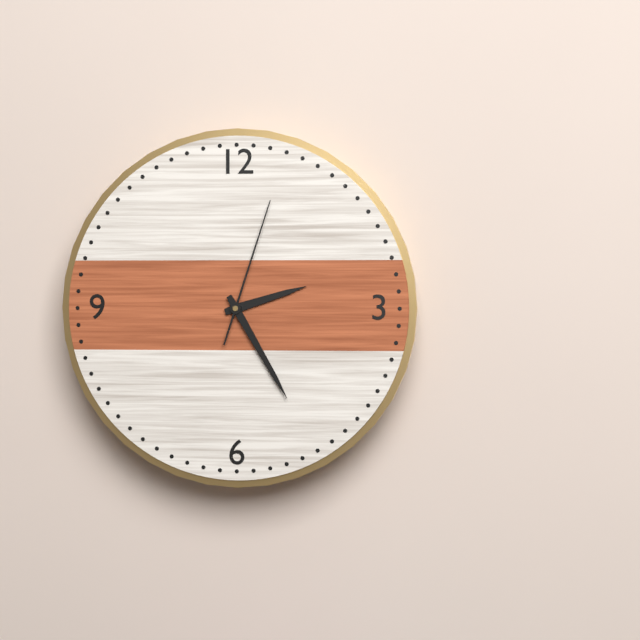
2:25:03
